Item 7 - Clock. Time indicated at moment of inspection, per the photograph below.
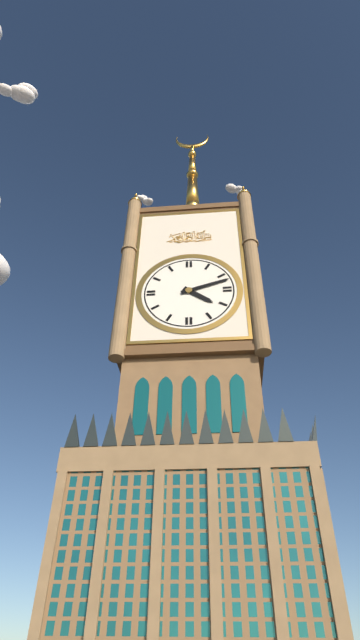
4:12
